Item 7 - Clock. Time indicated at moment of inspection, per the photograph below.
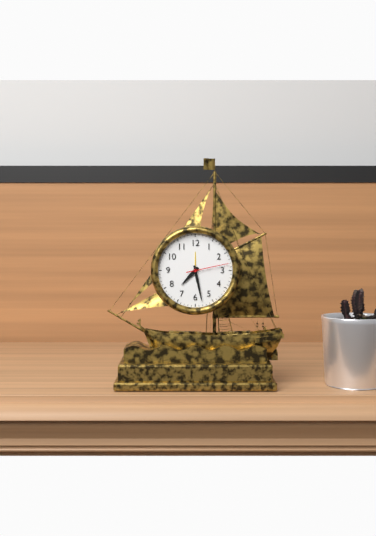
7:28
